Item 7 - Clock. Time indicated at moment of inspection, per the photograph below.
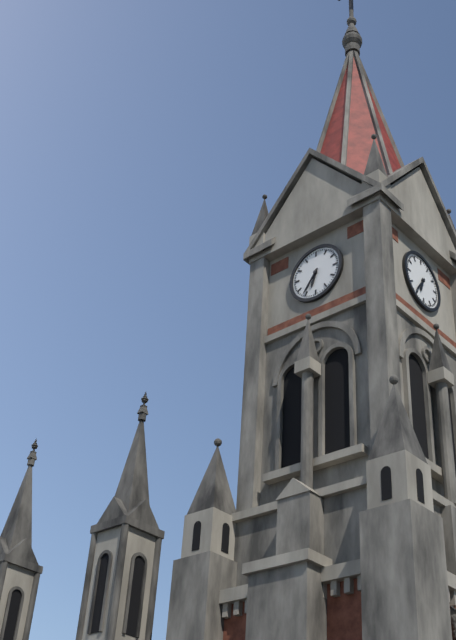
6:36
